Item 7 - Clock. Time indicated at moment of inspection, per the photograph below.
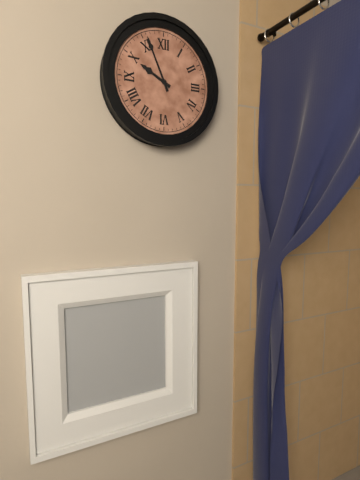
9:56
